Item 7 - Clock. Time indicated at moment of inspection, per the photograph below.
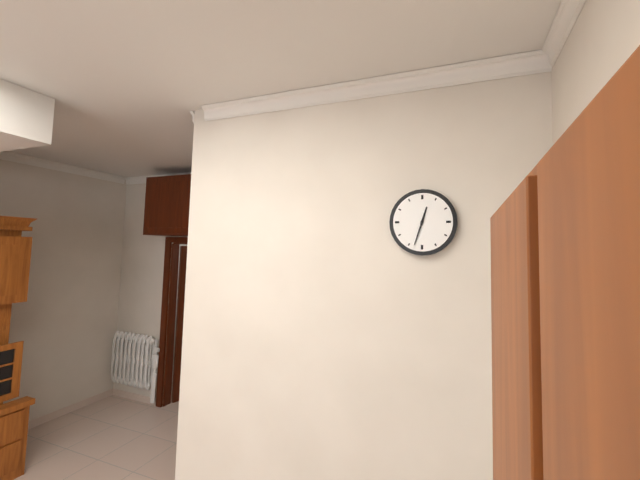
12:33
